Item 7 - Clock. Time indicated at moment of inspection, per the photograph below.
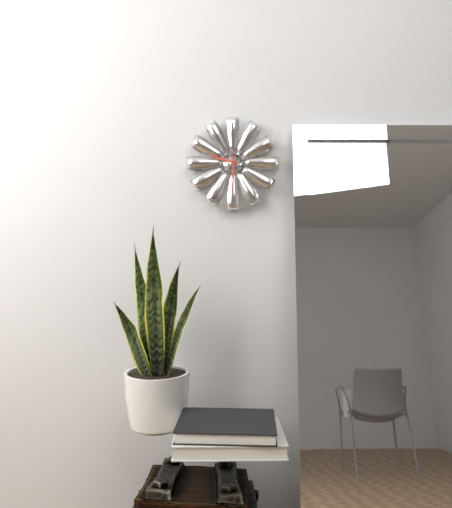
9:30
